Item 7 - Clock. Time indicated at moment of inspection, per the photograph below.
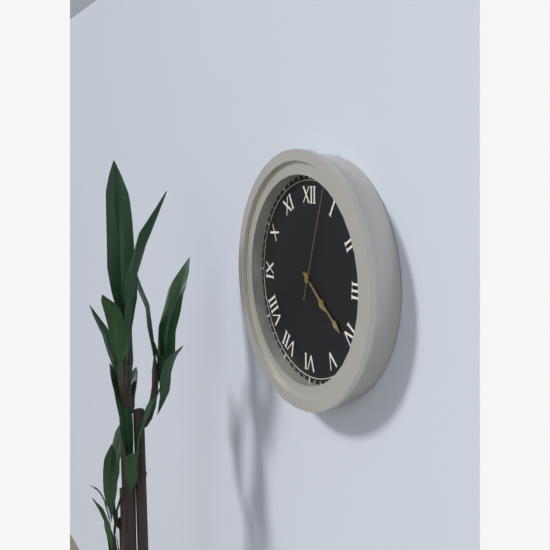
4:21:03
